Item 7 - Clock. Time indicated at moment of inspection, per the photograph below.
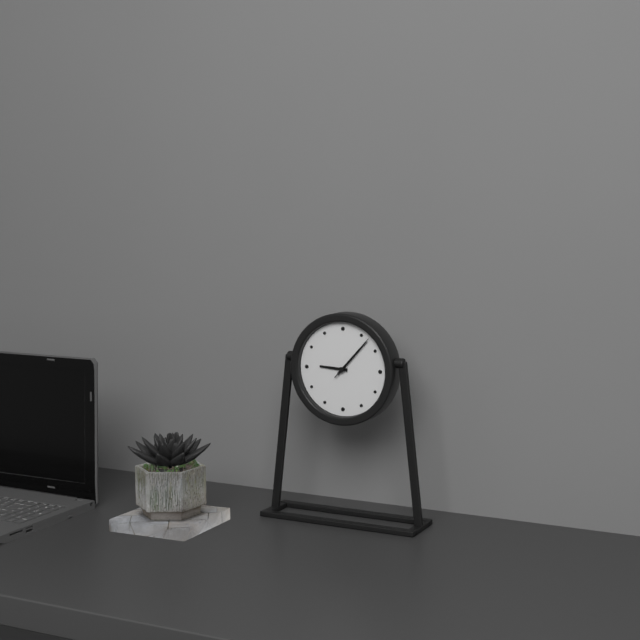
9:07:07
